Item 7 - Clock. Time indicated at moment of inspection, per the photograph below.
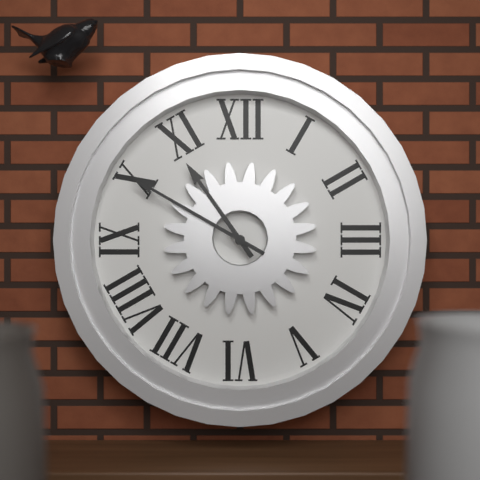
10:50
